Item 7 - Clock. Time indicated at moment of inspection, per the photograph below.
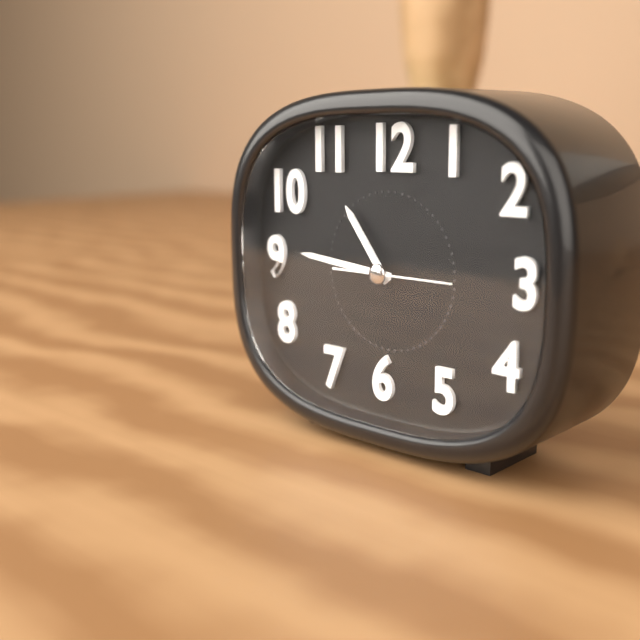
10:46:15
